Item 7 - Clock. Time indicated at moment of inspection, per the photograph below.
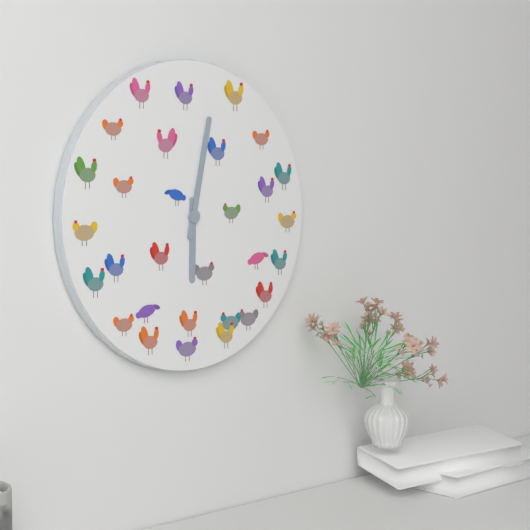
6:02
